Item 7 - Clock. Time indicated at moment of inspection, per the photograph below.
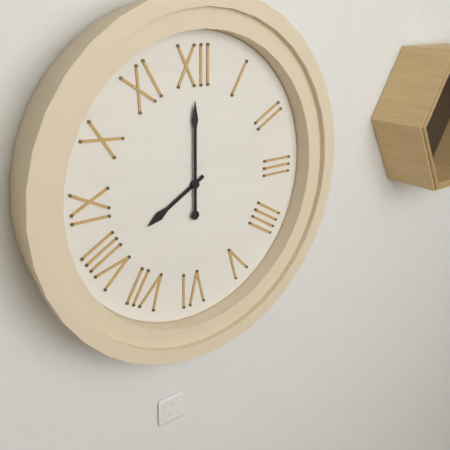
8:00
